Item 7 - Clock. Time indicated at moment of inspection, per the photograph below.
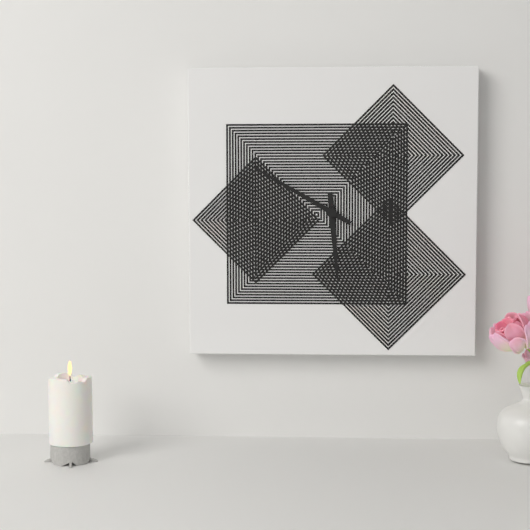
5:50
